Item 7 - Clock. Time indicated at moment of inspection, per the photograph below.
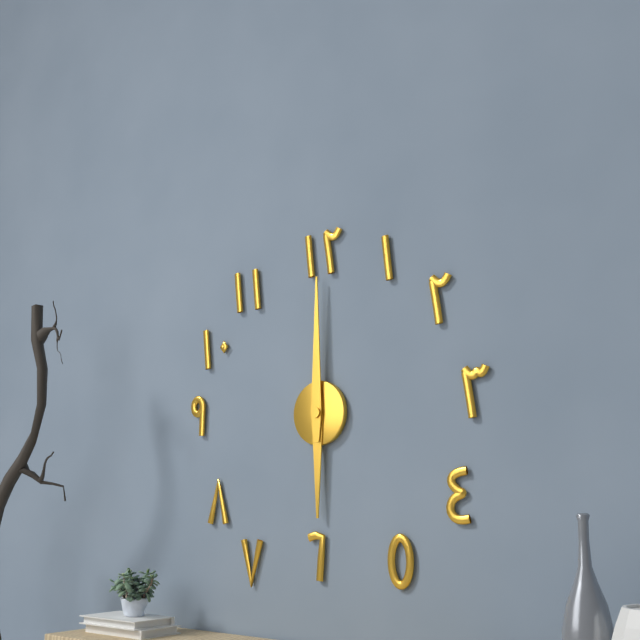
6:00
